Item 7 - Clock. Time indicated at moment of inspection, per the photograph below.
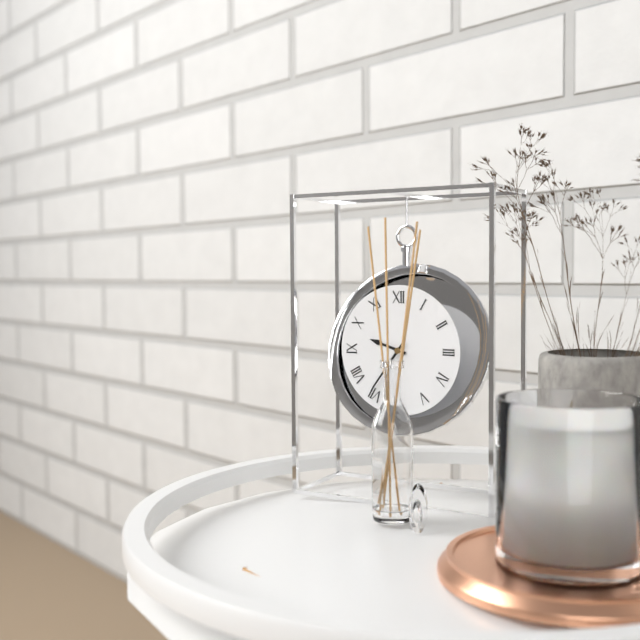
9:36
